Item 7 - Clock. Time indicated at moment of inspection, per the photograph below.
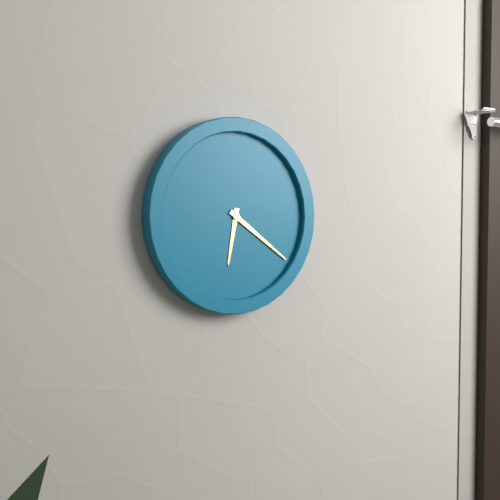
6:21
